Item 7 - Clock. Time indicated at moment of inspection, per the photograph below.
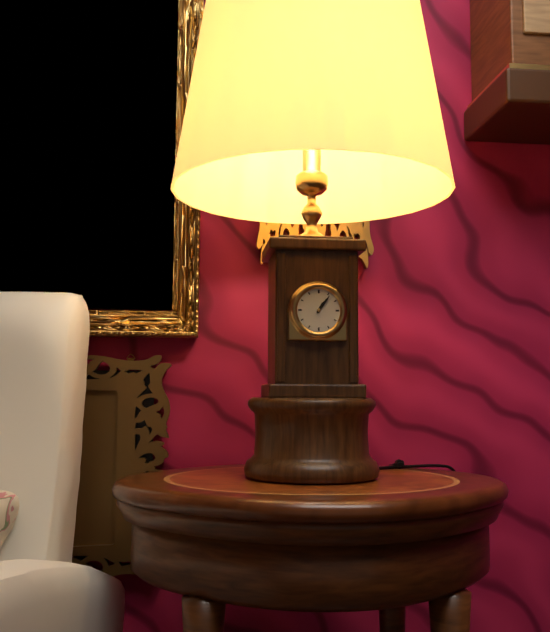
1:06
